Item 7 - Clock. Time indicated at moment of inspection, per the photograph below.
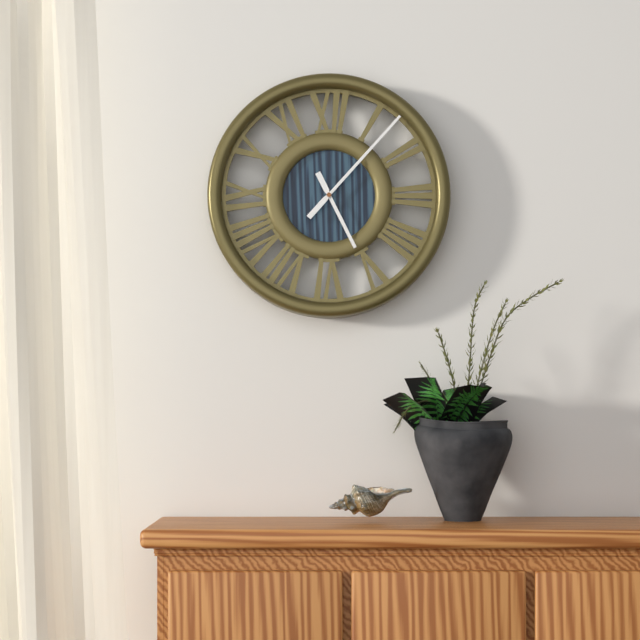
5:07
